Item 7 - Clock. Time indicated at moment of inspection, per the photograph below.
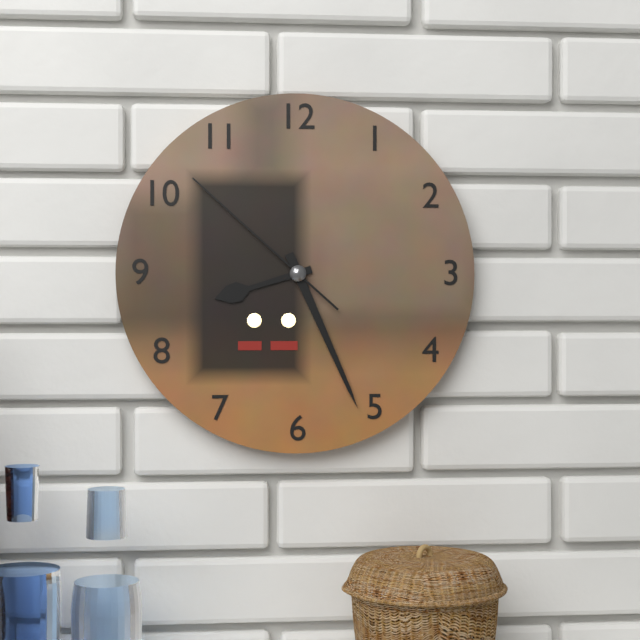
8:26:52
